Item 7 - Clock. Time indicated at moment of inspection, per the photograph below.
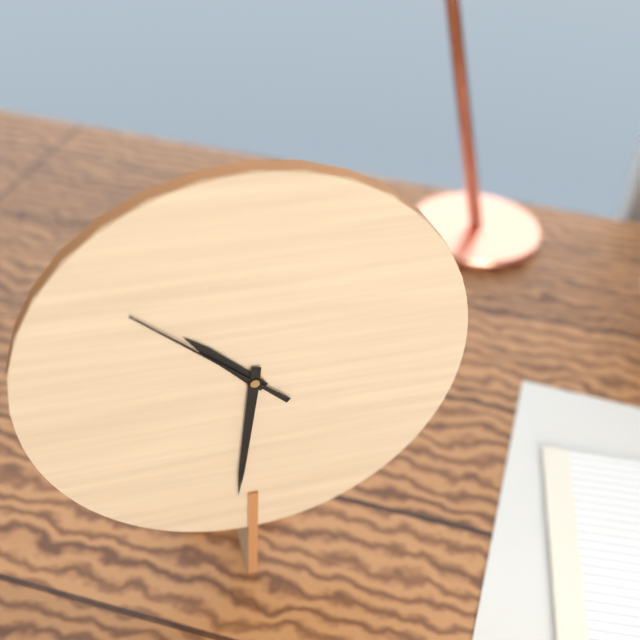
10:31:52
